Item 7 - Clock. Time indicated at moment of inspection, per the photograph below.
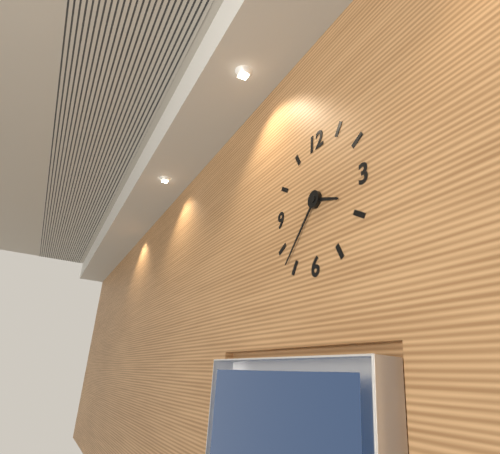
3:37
